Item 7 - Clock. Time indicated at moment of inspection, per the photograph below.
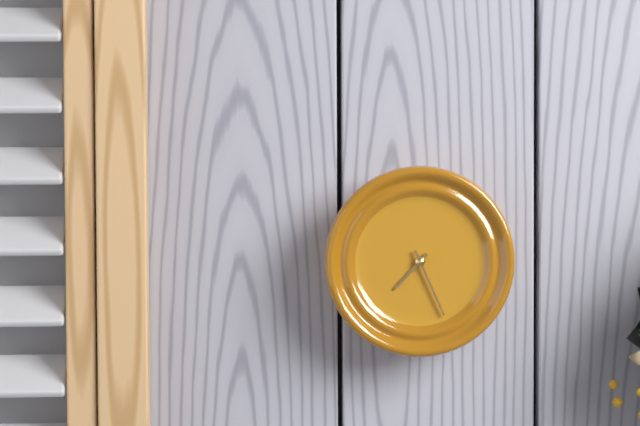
7:26
